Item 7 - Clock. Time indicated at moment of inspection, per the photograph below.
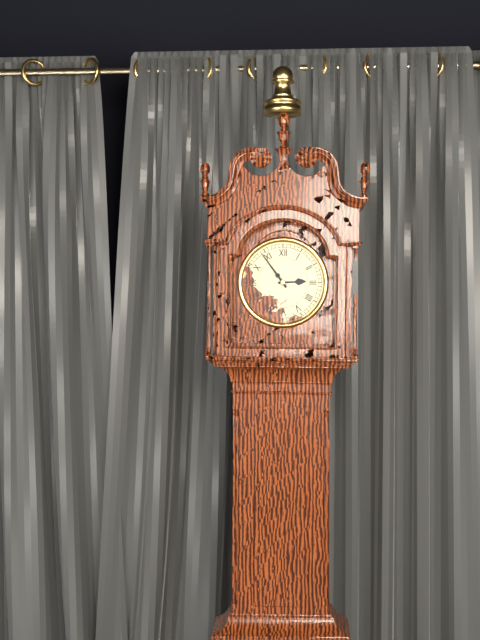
2:54
